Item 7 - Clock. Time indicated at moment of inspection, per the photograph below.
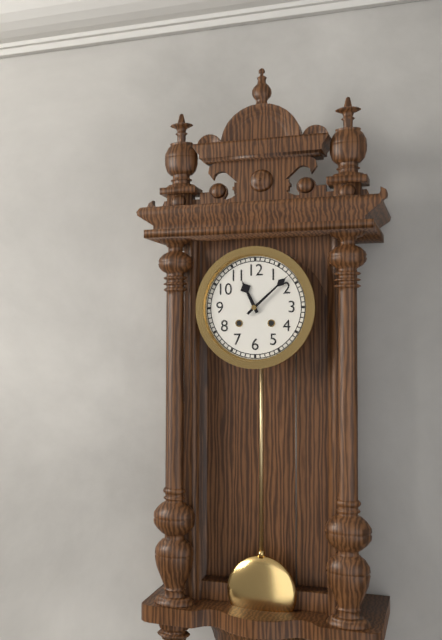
11:08
